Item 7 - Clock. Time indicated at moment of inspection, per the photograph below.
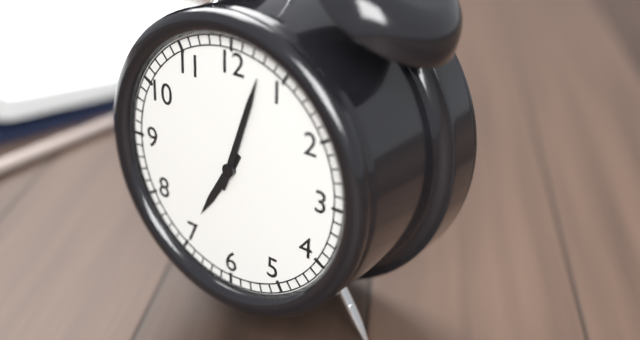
7:03
